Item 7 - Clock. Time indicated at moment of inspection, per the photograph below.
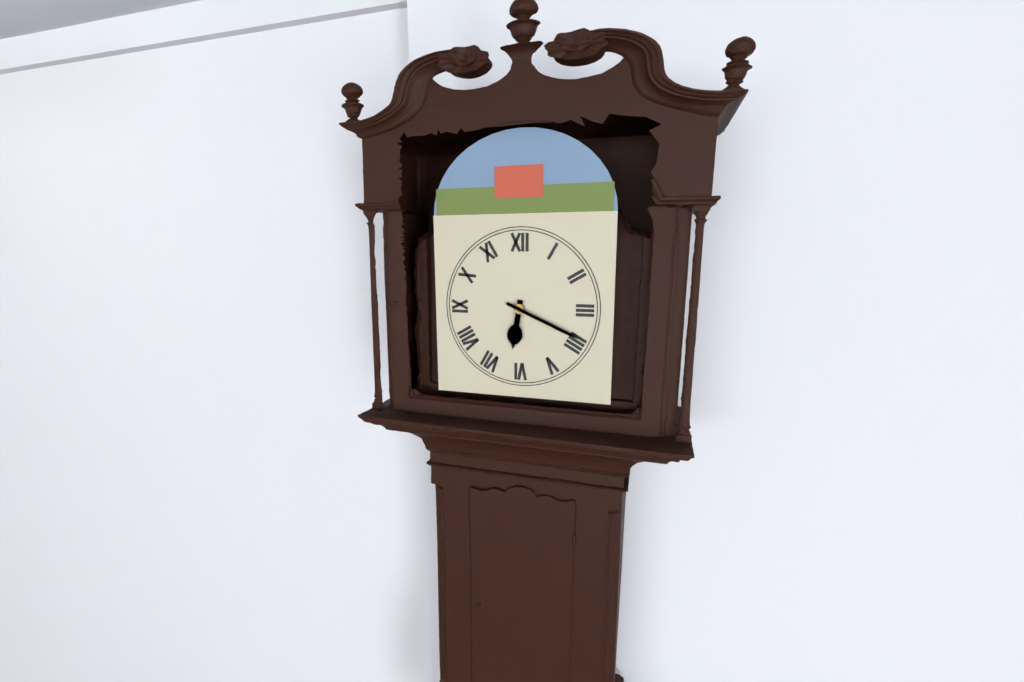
6:19
